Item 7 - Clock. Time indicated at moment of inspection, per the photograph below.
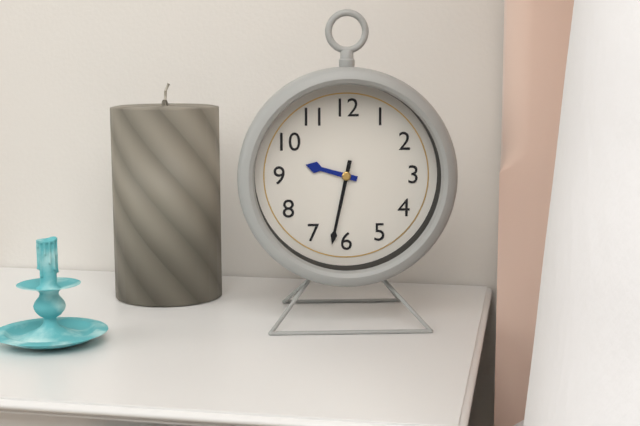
9:32
